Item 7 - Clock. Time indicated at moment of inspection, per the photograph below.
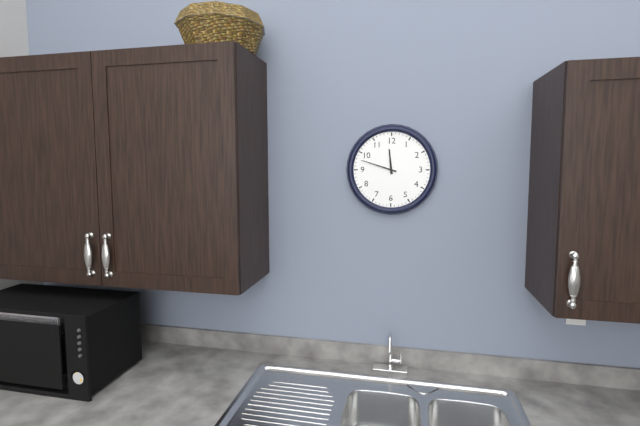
11:48
